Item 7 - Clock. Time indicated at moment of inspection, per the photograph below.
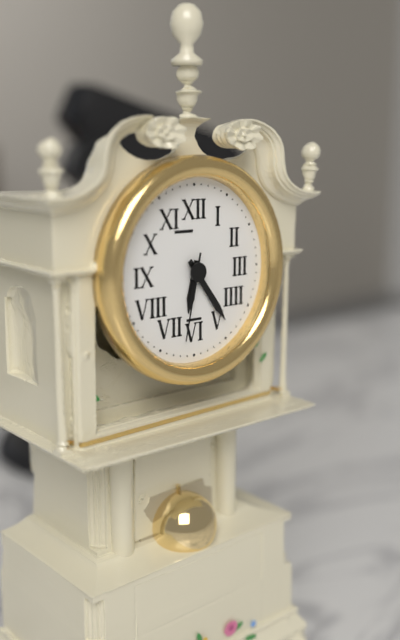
6:24:32
